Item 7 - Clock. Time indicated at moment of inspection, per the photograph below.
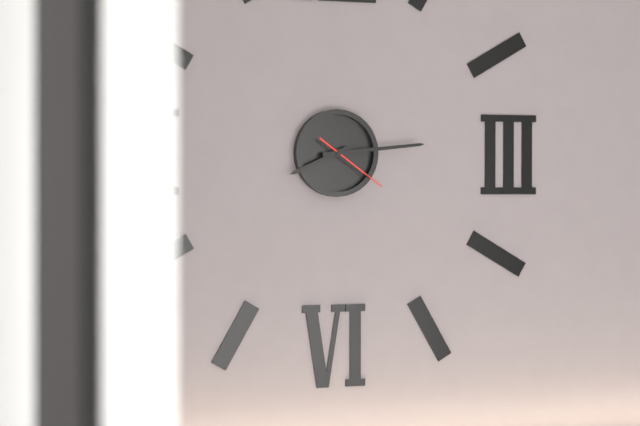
8:14:21
